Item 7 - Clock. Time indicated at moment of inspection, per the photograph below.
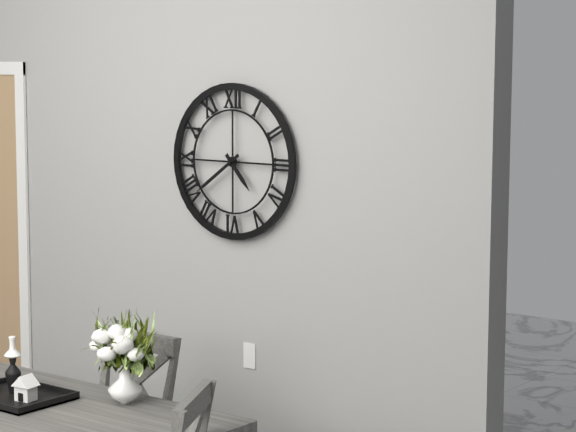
4:39
